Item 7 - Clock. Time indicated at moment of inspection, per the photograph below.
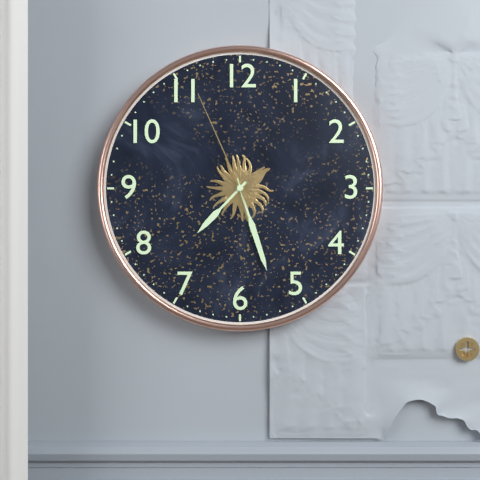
7:27:56
